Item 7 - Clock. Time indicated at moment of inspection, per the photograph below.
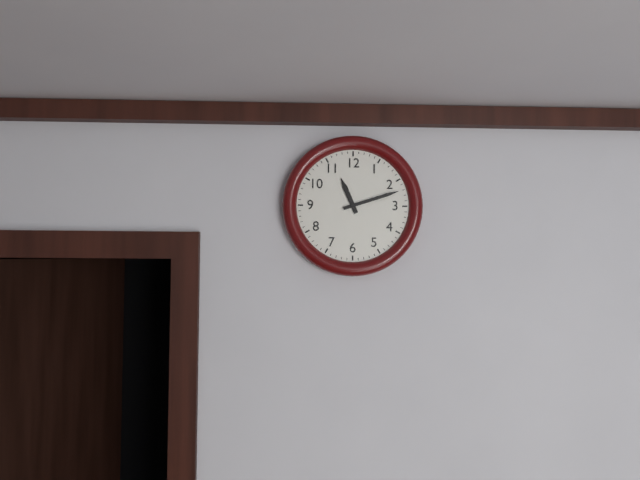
11:12
